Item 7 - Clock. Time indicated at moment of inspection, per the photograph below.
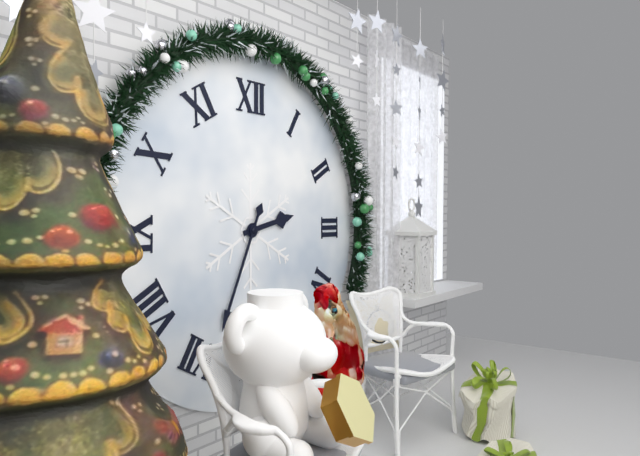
2:34
